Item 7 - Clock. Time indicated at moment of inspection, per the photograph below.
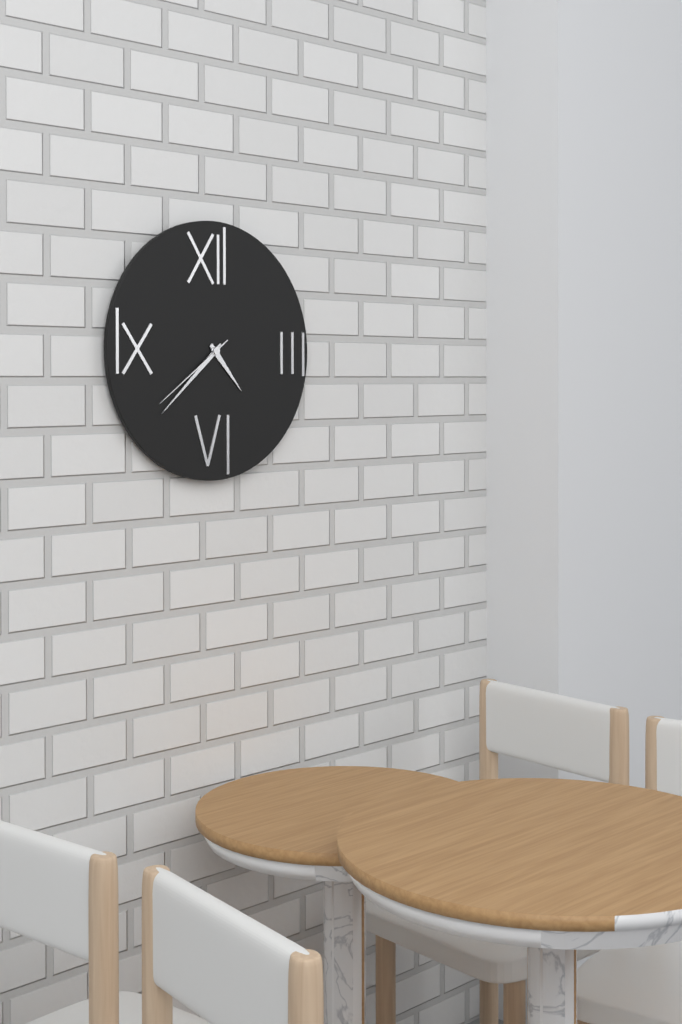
4:38:39
